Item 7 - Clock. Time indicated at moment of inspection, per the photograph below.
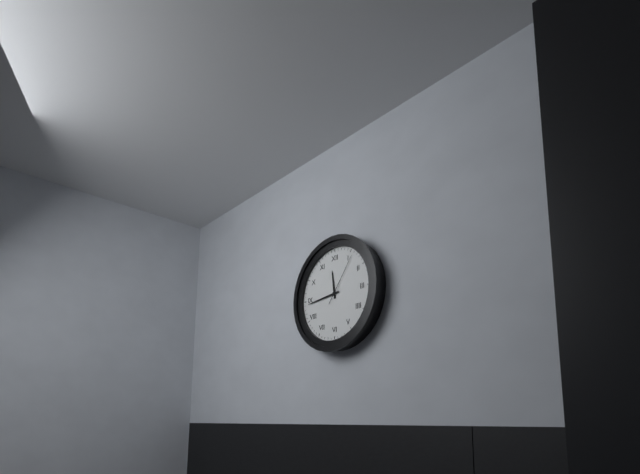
11:44:06
